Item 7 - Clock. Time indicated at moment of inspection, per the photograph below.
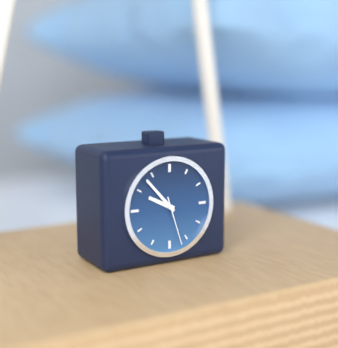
9:53
